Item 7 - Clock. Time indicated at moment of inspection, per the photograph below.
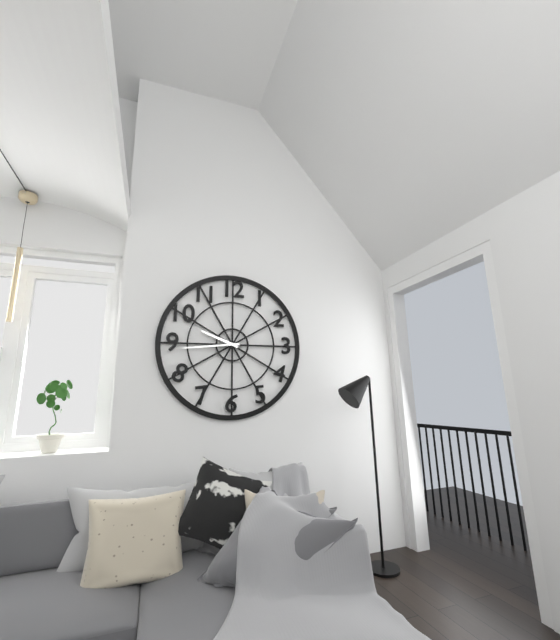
9:44
